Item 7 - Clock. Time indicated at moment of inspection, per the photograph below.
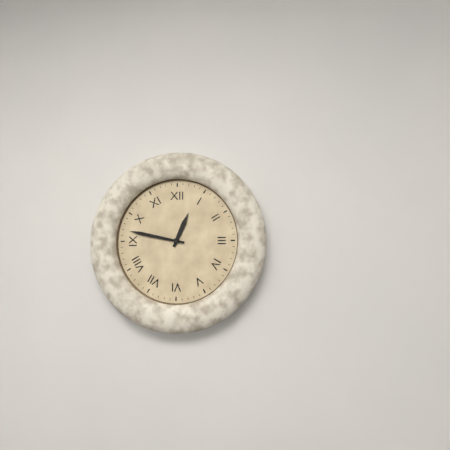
12:47
